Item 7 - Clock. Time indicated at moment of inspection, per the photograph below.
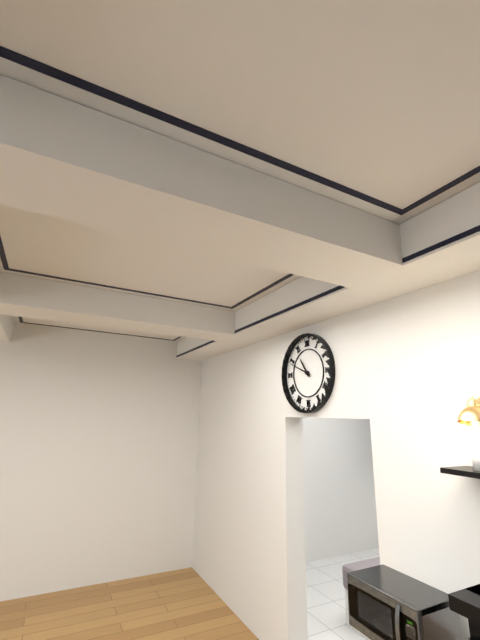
10:49
